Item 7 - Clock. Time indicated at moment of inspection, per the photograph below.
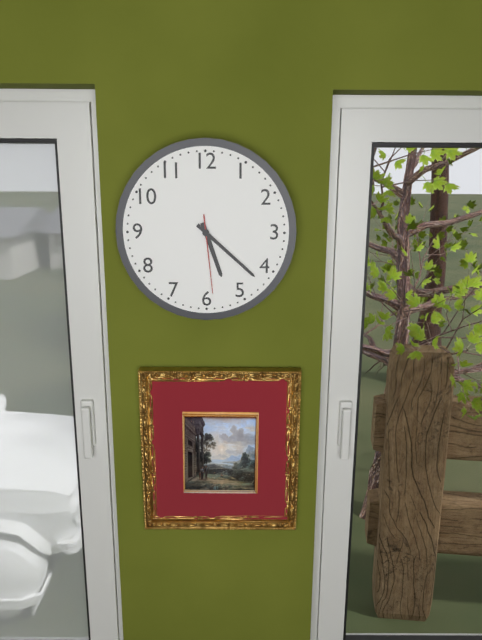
5:22:29
